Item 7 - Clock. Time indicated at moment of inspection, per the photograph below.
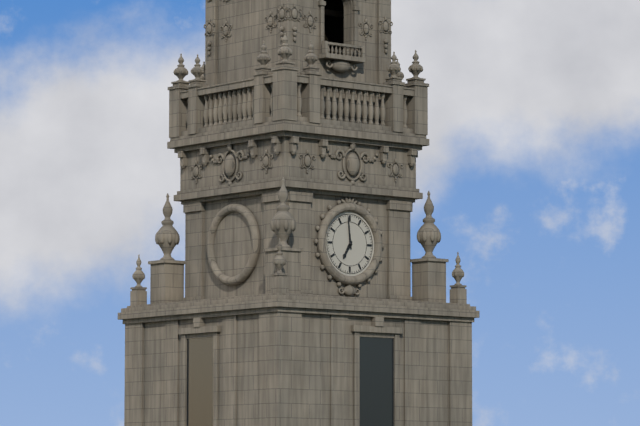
6:59
